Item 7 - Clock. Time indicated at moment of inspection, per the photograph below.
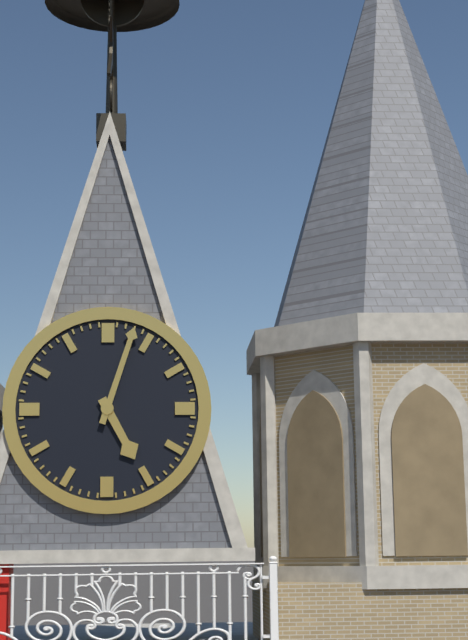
5:03
